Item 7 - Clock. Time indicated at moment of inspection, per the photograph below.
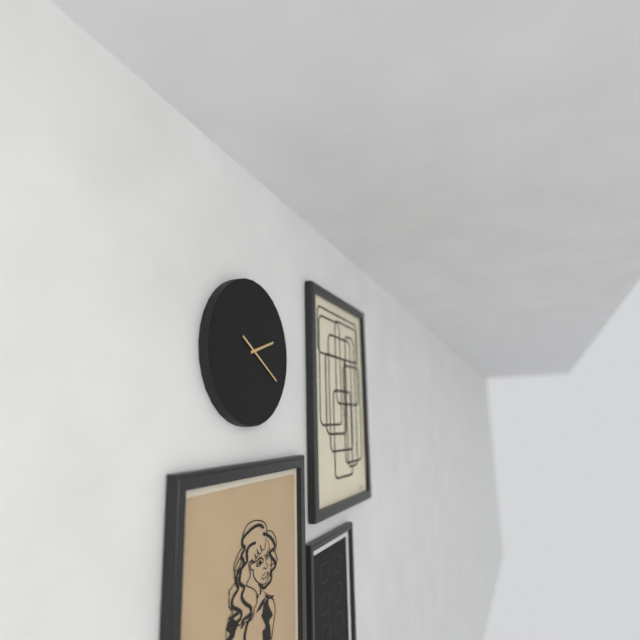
2:20
